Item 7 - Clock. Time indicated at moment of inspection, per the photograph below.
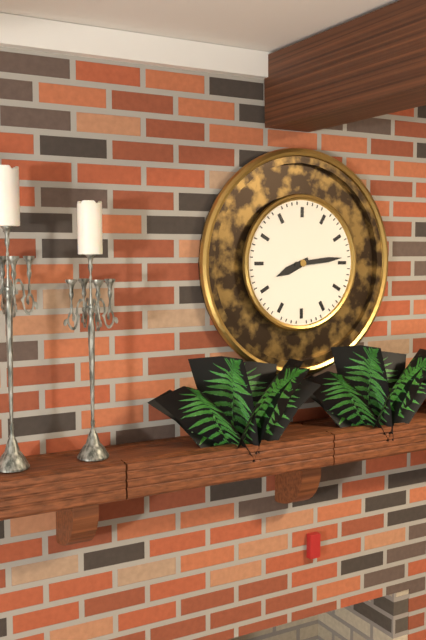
8:14
